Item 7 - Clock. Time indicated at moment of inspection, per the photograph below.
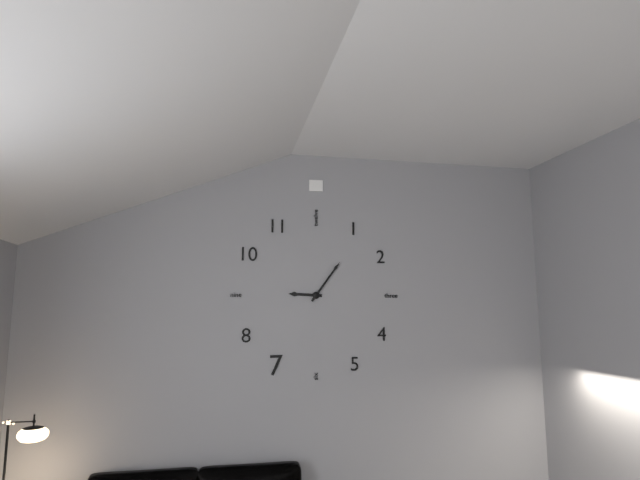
9:06
